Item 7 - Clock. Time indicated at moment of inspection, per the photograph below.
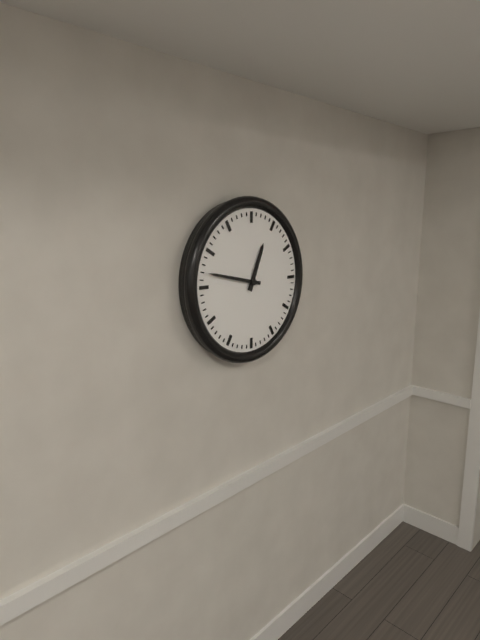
12:47
